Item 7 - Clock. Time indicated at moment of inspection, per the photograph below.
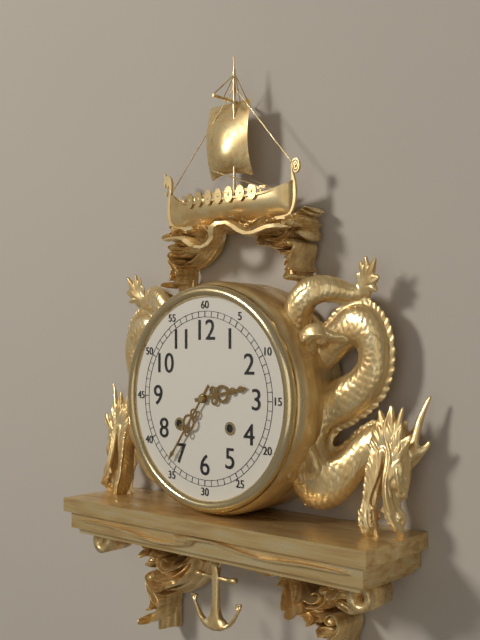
2:36
